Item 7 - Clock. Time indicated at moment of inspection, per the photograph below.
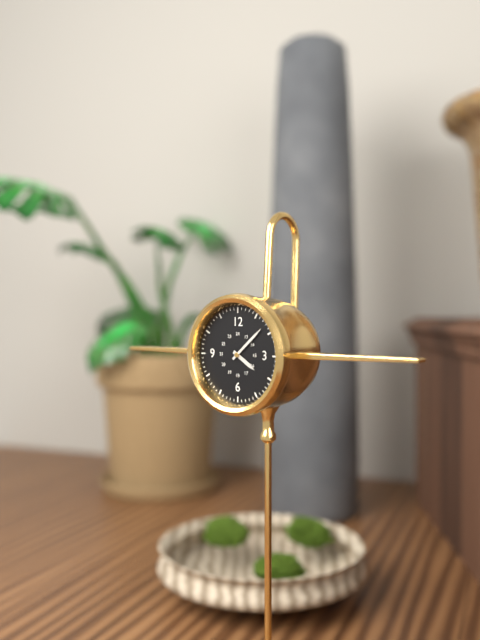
4:08
